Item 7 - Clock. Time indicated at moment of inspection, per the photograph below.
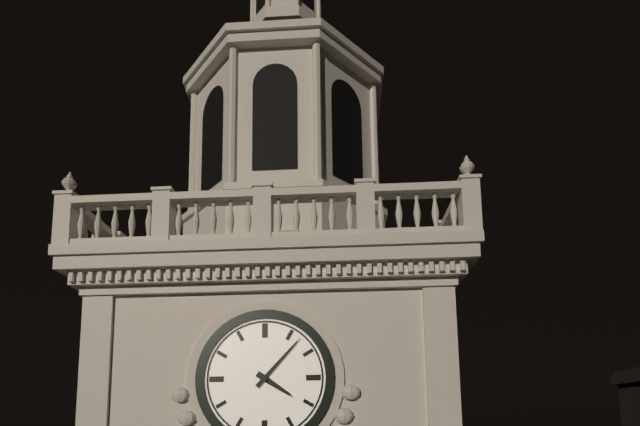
4:07
